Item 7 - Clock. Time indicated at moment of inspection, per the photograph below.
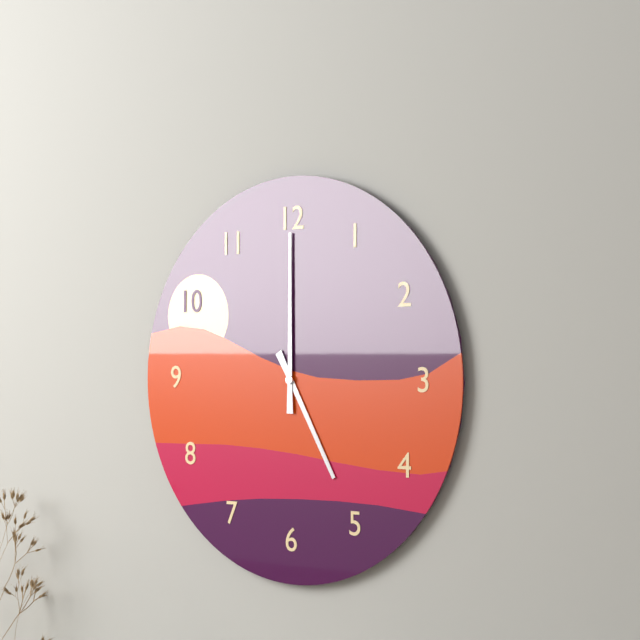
5:00
